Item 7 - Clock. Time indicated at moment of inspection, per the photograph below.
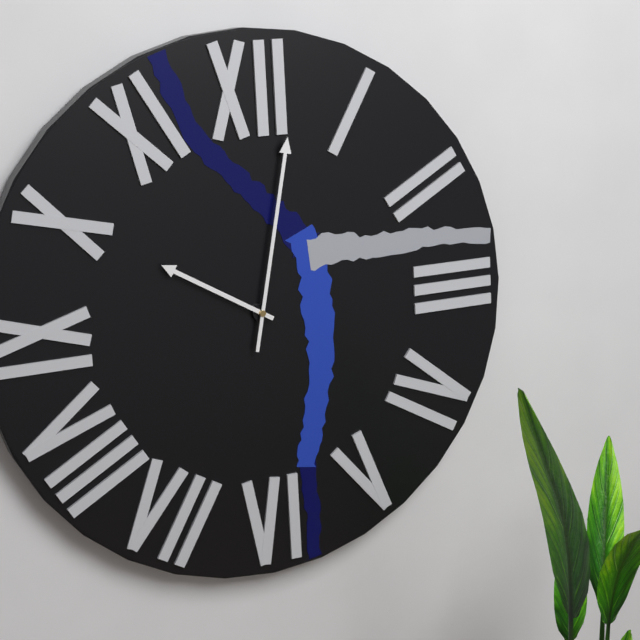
10:02
